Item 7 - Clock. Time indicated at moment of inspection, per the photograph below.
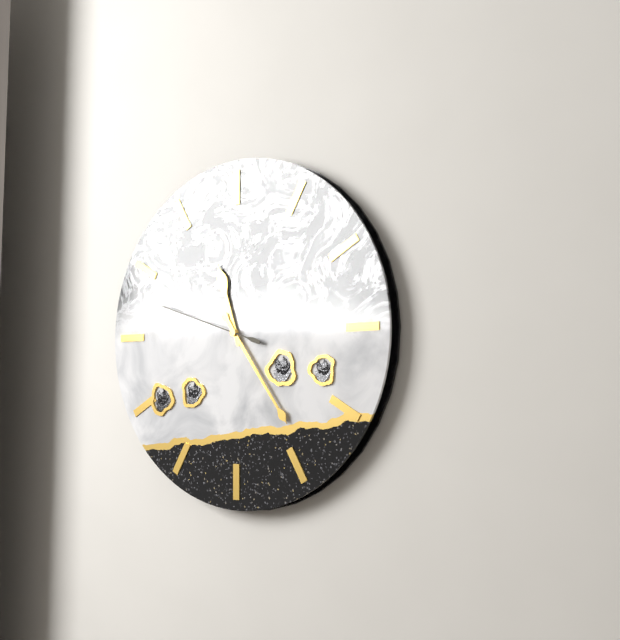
11:24:48
